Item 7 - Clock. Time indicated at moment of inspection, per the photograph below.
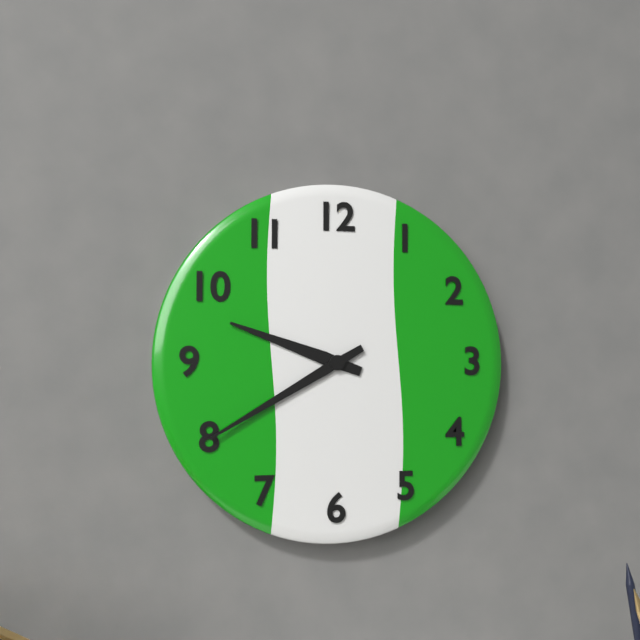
9:40
